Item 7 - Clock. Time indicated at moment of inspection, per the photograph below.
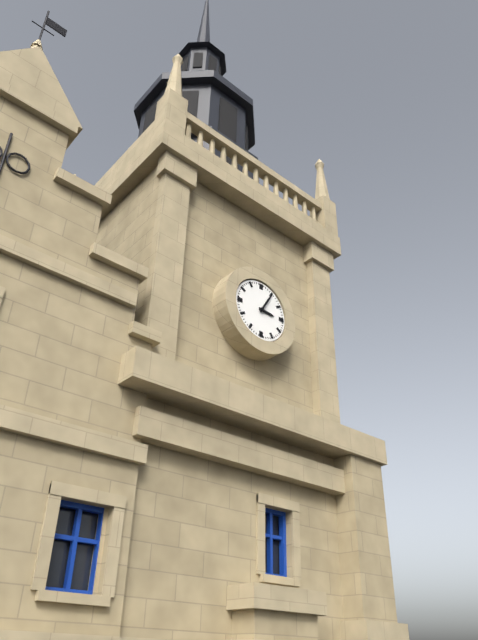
3:05
